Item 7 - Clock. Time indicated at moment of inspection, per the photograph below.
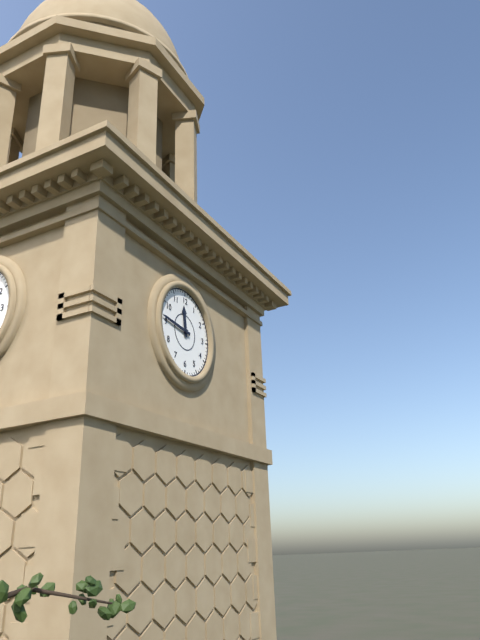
11:46
